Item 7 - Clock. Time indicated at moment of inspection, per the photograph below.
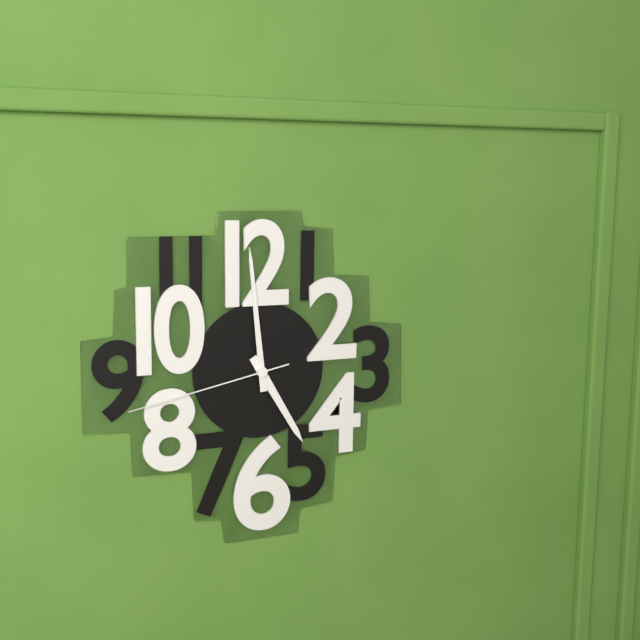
4:59:43
